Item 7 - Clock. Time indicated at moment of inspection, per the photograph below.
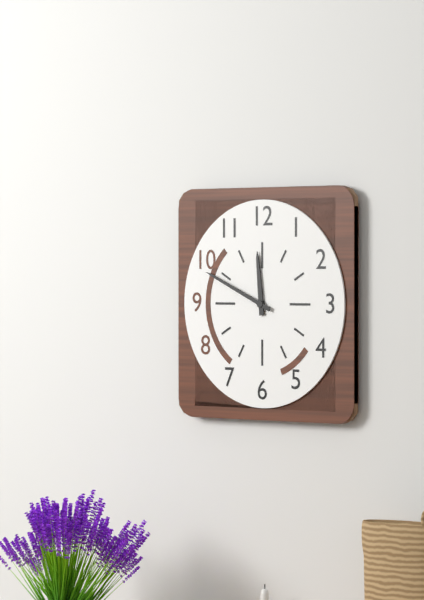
11:49
